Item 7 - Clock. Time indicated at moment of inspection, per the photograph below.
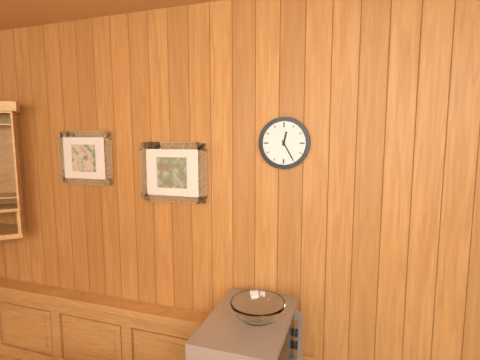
12:25
